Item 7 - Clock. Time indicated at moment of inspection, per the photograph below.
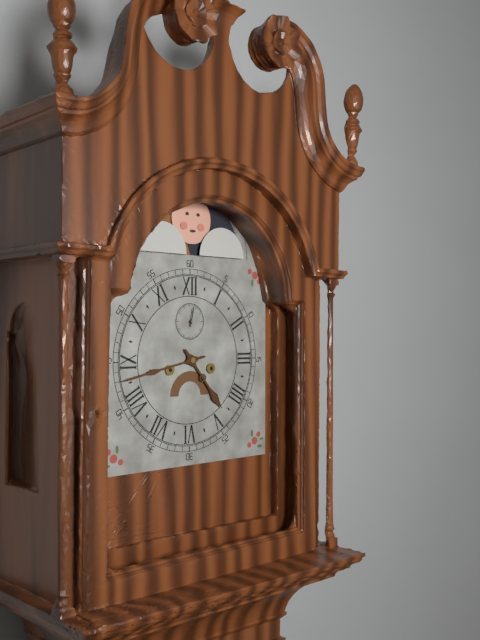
4:43
